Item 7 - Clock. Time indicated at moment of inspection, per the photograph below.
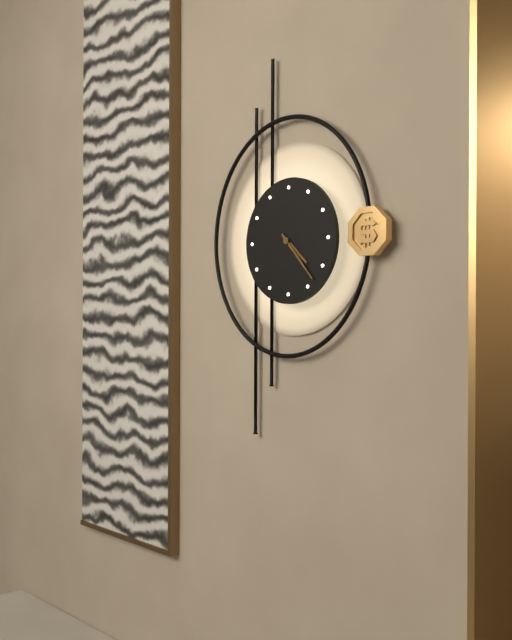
4:23
